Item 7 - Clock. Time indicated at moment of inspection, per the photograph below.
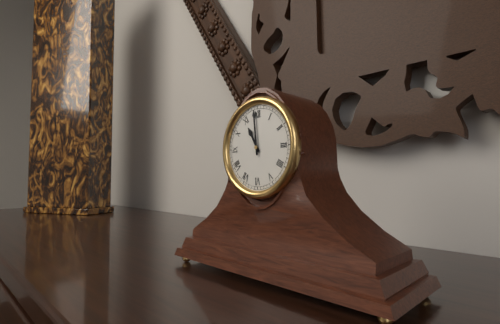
10:59
